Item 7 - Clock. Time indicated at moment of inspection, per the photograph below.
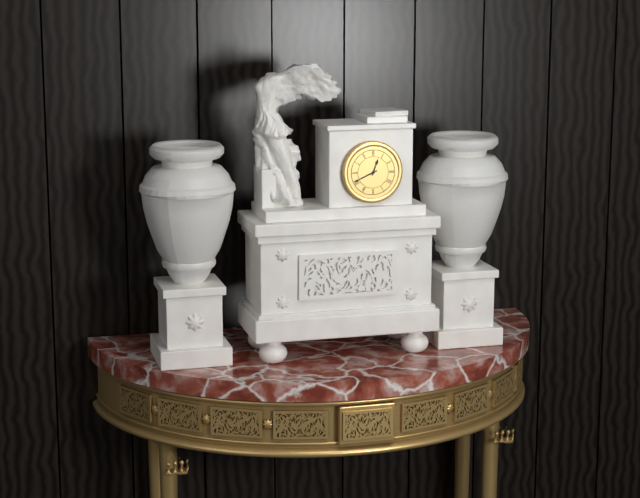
12:41
